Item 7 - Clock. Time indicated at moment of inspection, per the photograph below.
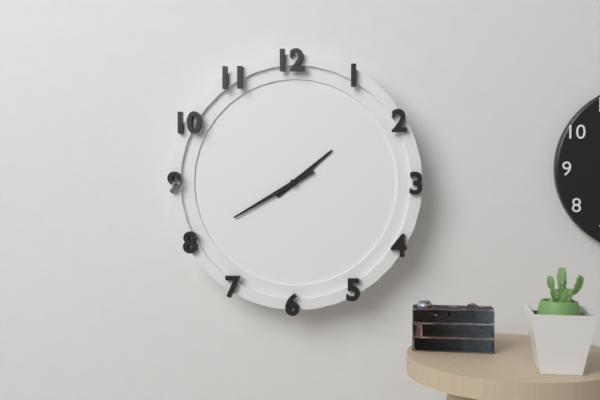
1:40
